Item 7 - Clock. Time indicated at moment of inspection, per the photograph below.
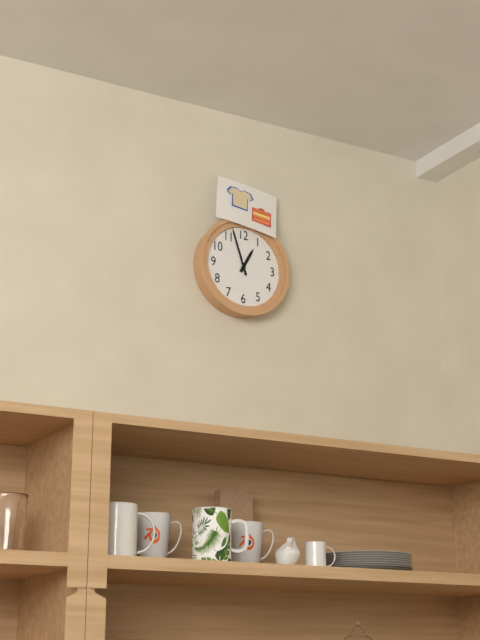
12:57
